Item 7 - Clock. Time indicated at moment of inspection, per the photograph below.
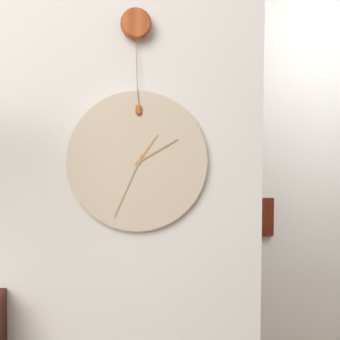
1:10:34
